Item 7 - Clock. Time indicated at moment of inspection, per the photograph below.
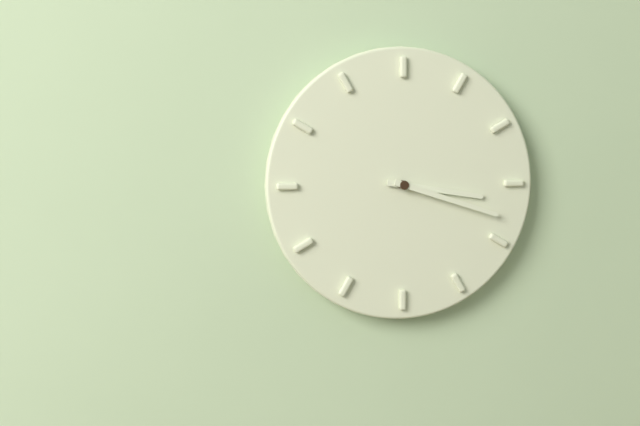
3:18
